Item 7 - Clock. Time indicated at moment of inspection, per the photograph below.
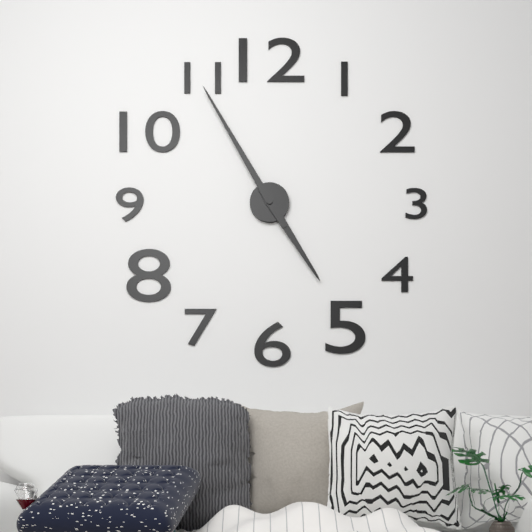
4:55
